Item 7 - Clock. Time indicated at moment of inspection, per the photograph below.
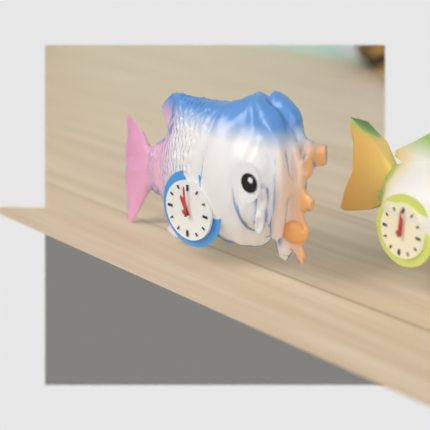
10:59
